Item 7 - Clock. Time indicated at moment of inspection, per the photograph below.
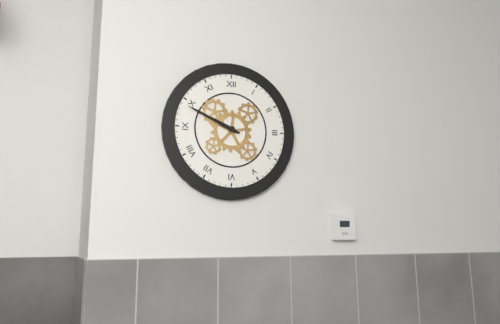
9:49
